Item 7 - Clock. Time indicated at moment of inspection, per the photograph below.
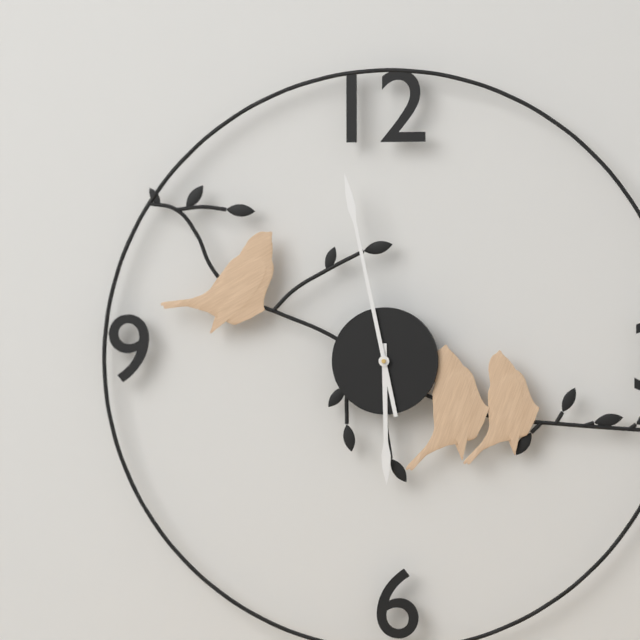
5:58
